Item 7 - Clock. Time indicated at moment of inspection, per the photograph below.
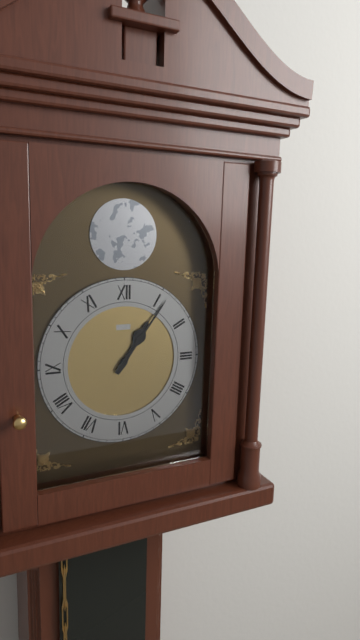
1:06
